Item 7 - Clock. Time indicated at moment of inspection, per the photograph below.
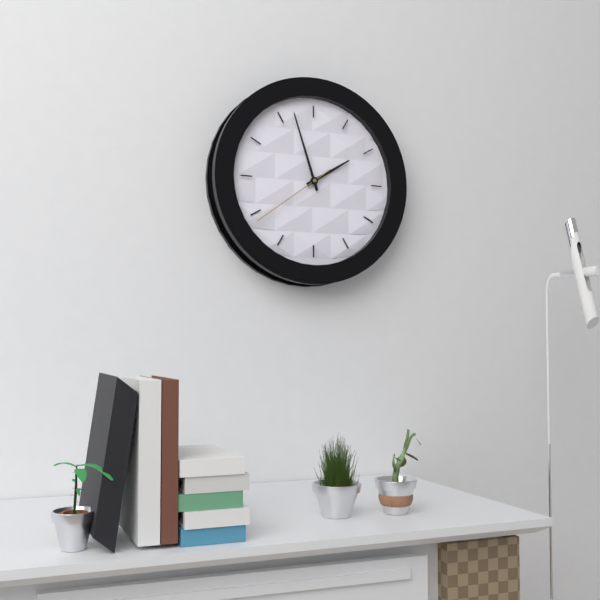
1:57:39
